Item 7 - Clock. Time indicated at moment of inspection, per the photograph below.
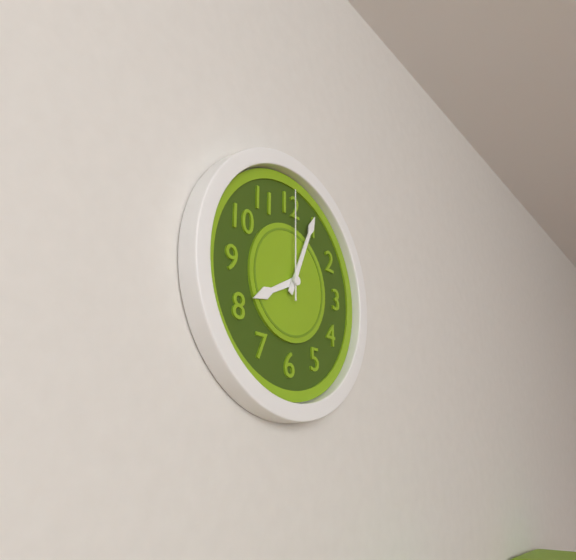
8:04:00
